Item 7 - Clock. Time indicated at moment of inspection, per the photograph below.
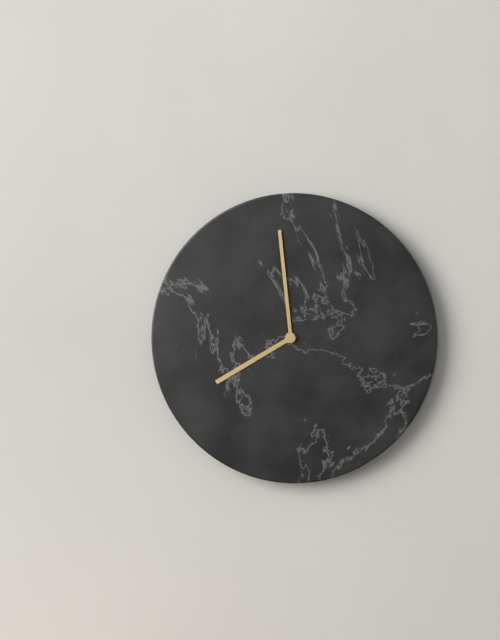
7:59
